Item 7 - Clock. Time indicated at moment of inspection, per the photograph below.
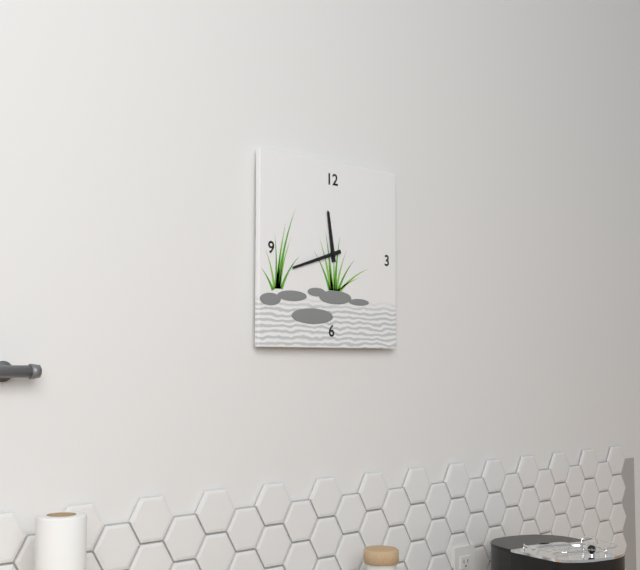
11:42
